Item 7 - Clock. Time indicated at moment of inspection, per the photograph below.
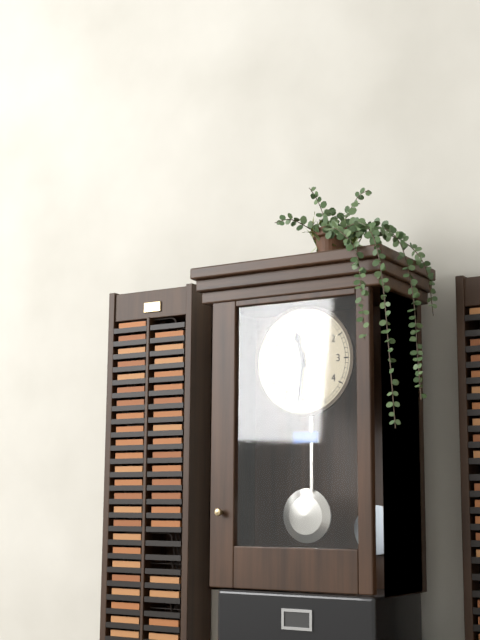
11:31
